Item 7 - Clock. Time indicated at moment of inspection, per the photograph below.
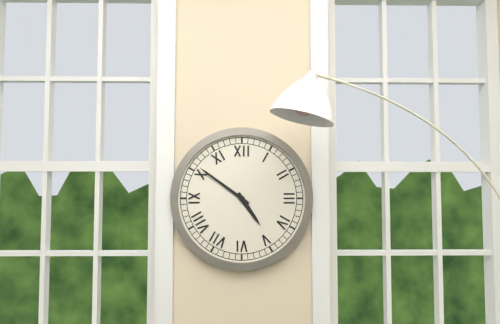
4:51
